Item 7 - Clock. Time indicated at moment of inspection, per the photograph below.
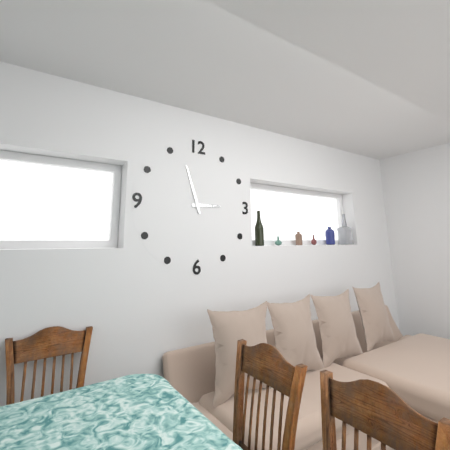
2:57
